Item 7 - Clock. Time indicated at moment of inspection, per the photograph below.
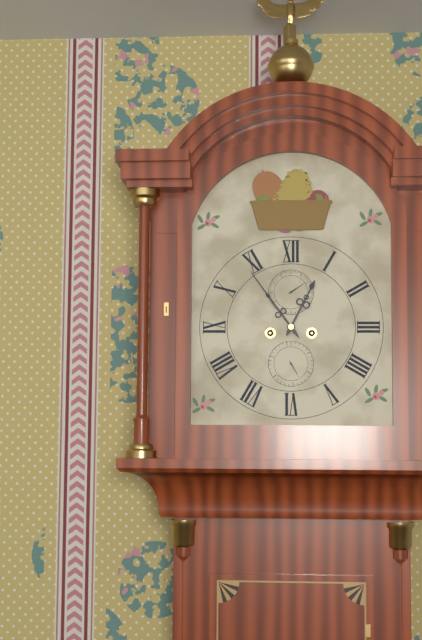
12:54
